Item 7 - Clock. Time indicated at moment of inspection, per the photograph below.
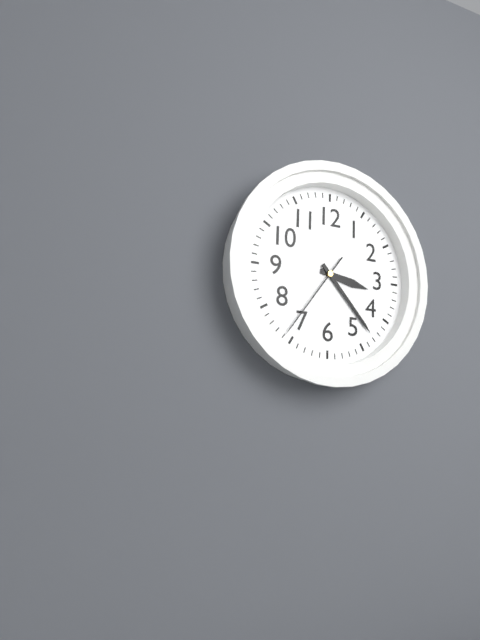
3:23:36
